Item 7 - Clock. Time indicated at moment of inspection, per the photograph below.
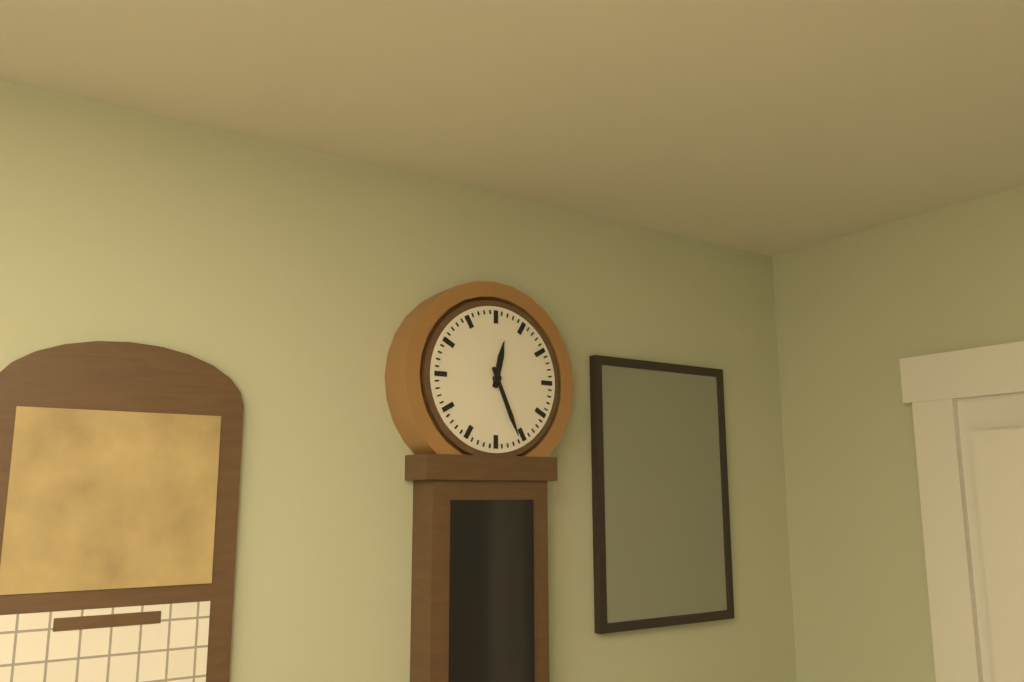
12:26
